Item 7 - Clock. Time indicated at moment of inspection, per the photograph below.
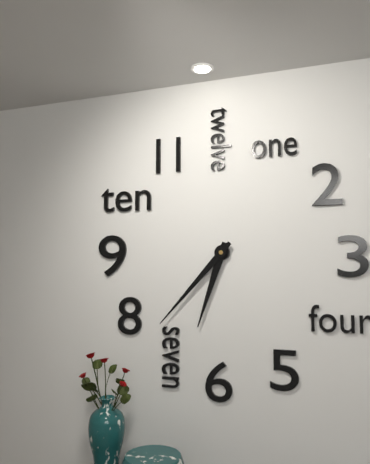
6:37
